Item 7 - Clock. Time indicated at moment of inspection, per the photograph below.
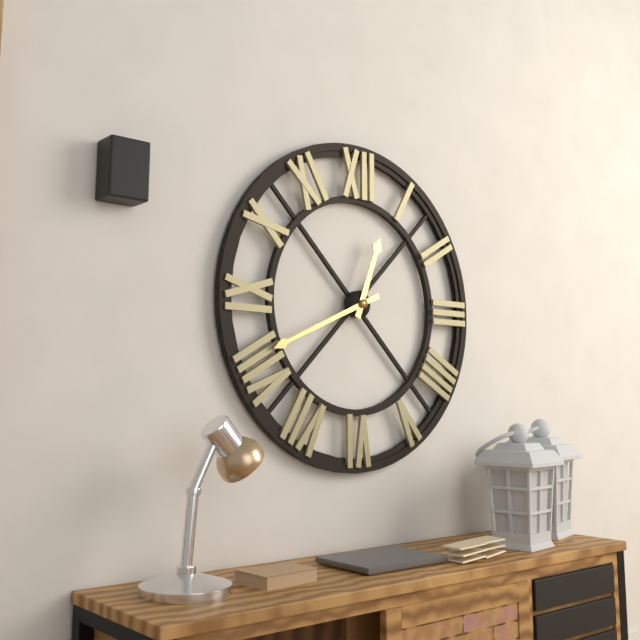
12:41
